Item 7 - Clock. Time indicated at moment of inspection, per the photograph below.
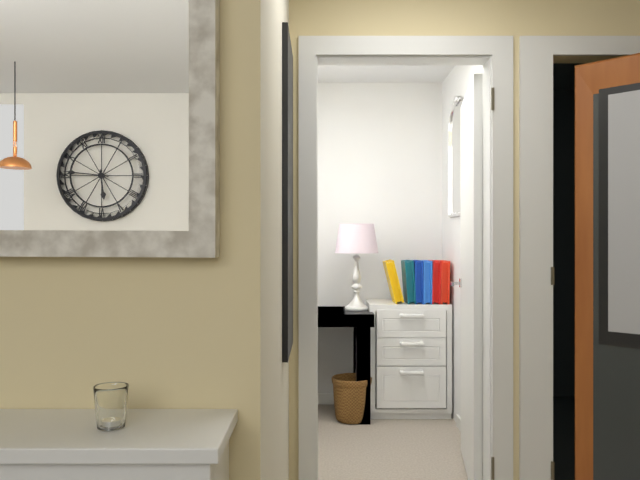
5:46
